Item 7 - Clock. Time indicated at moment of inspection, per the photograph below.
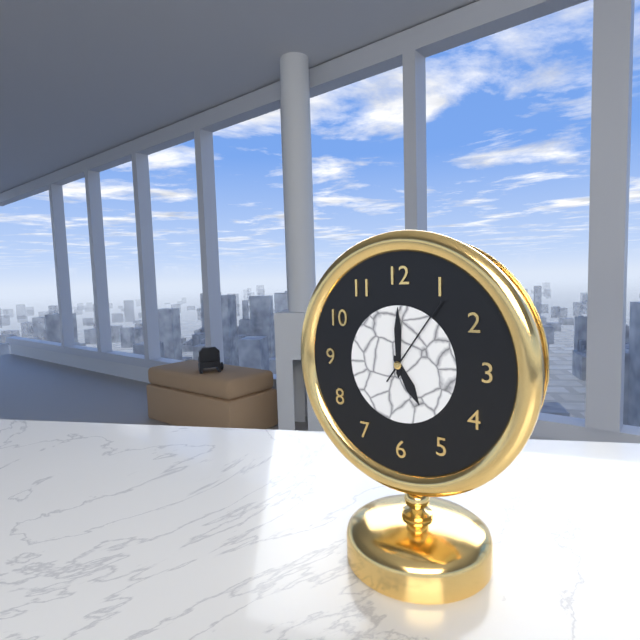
5:00:06
